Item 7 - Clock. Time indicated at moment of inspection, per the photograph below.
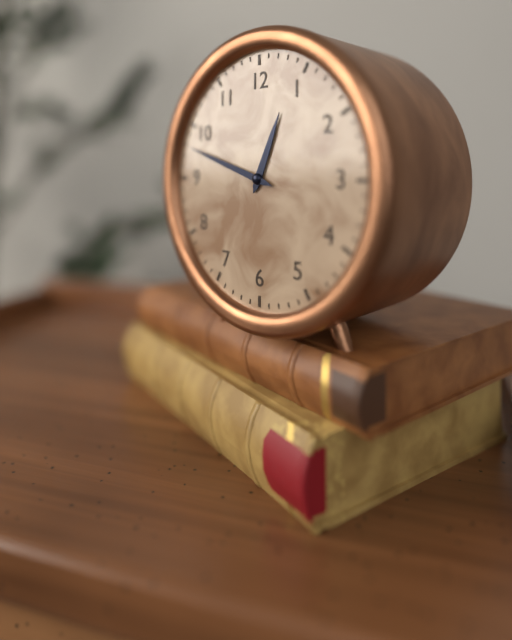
12:48
